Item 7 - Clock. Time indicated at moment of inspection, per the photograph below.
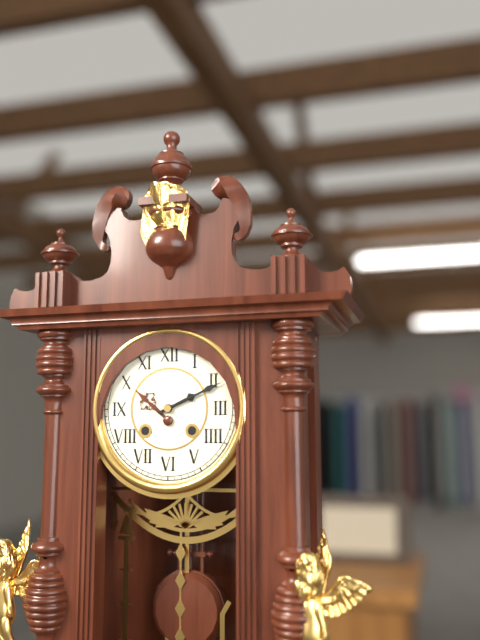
2:11
